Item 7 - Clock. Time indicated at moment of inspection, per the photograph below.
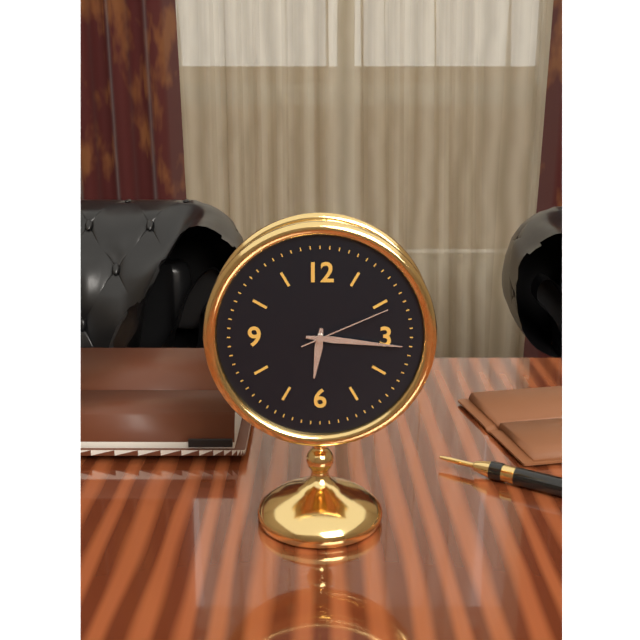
6:16:11
